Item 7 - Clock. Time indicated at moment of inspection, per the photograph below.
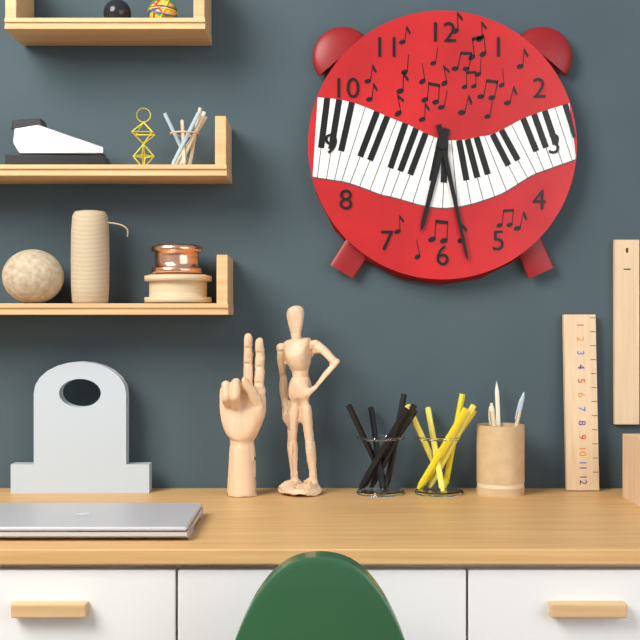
6:28
